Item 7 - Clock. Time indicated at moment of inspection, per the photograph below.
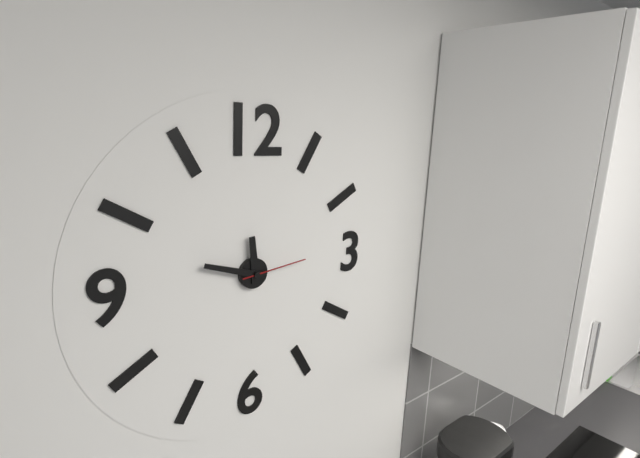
11:48:14
